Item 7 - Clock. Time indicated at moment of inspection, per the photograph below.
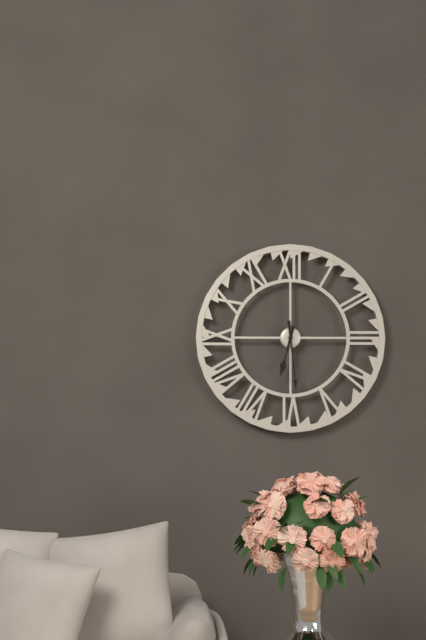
6:29
